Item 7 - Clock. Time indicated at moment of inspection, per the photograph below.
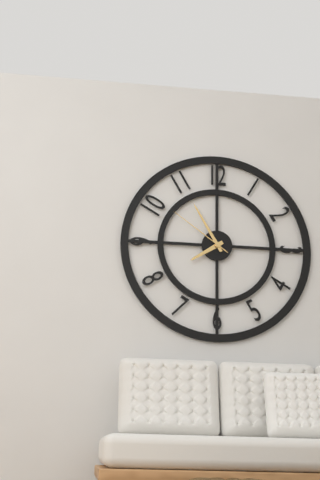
7:55:51
